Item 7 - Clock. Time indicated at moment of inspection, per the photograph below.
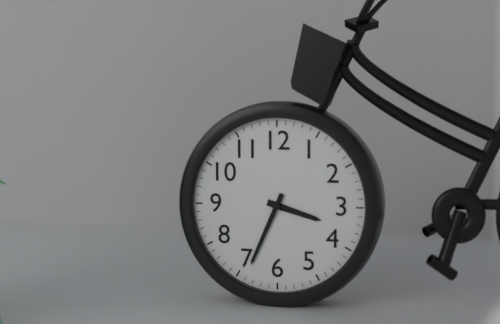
3:34
